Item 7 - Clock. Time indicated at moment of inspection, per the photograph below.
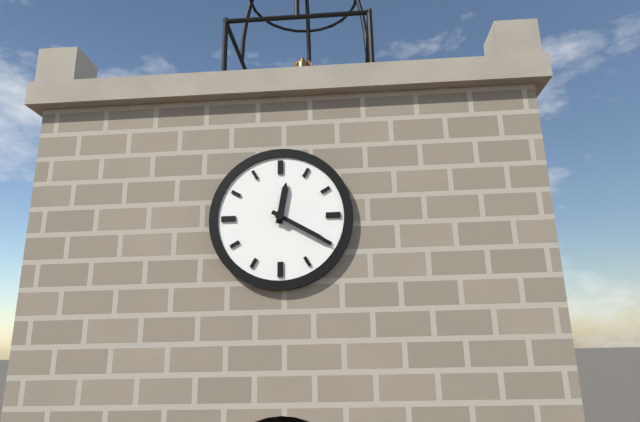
12:20
